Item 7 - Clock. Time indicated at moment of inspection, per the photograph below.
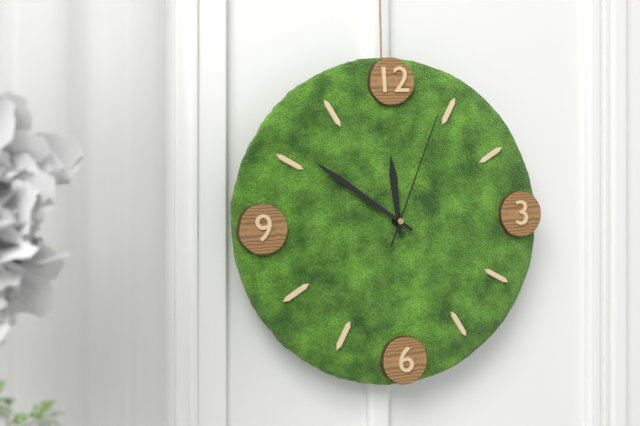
11:51:04
